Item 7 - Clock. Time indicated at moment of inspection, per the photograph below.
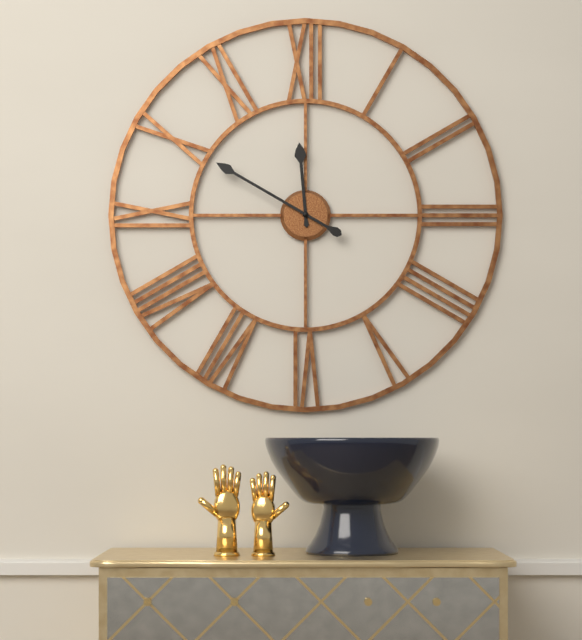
11:50
